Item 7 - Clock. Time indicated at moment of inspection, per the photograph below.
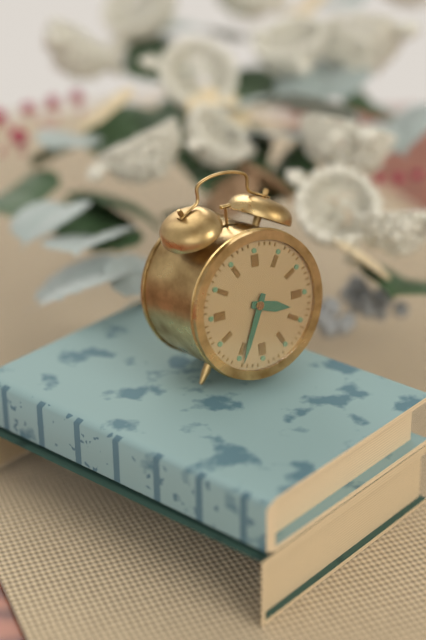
3:34
